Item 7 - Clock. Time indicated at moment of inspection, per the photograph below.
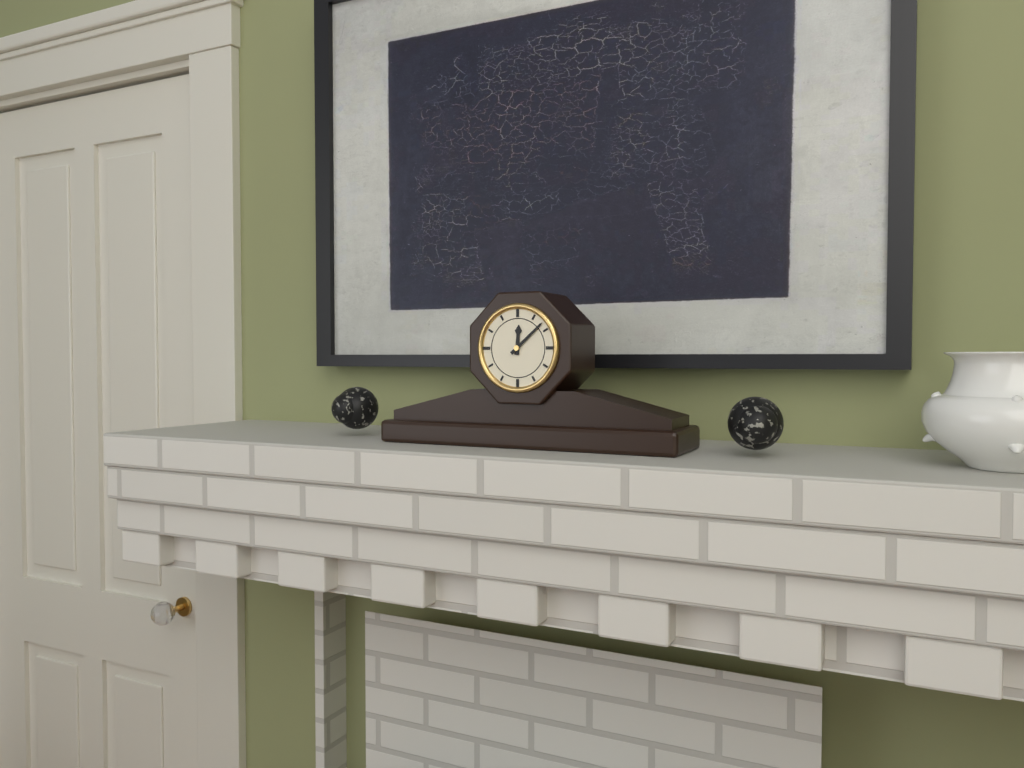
12:08
